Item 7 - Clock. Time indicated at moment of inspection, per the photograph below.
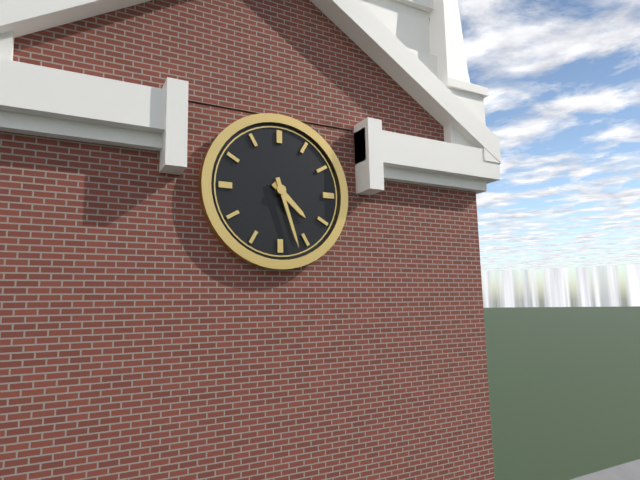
4:27
